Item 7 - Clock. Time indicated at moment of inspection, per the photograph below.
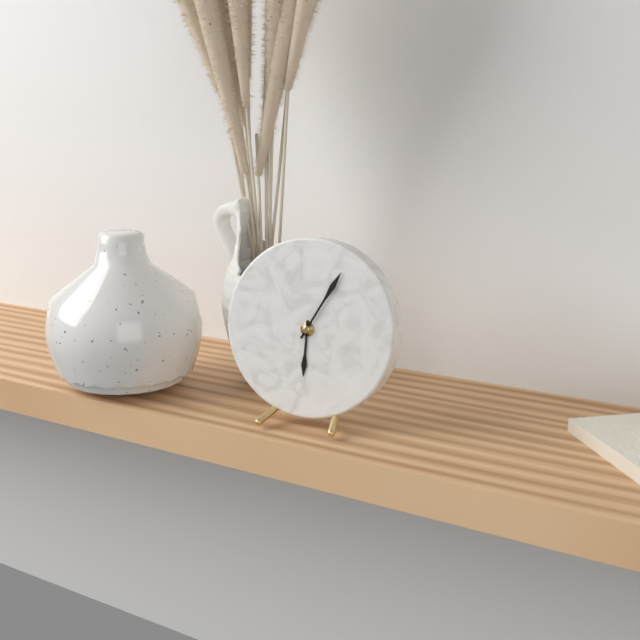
6:05
